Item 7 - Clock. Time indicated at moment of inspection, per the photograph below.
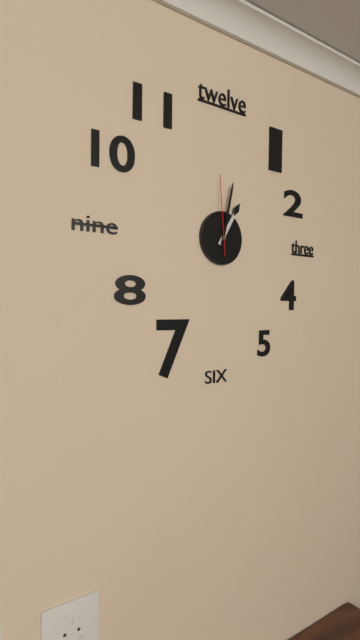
1:02:59
